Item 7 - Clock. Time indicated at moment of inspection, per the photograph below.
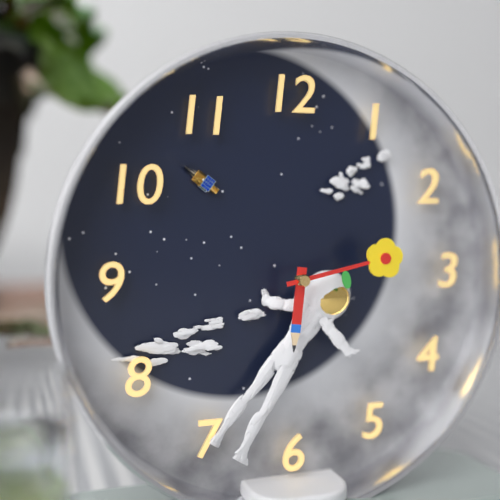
6:13
